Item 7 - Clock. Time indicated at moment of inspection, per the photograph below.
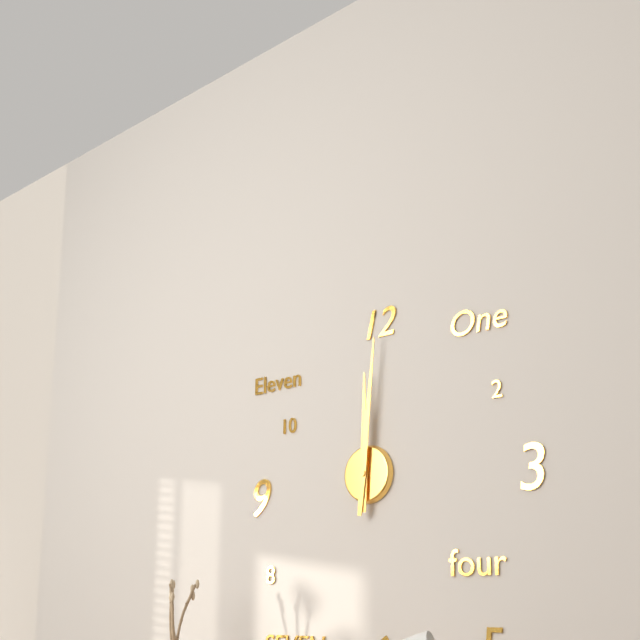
12:01
